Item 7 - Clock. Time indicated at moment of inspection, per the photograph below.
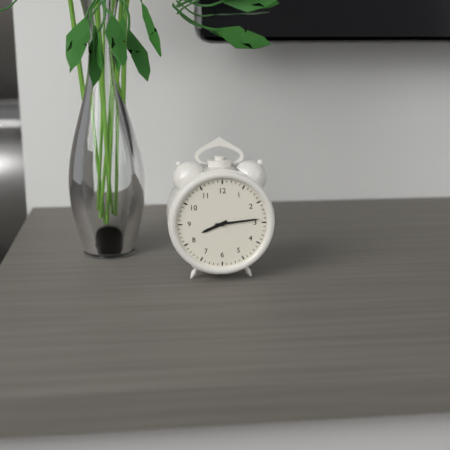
8:14
